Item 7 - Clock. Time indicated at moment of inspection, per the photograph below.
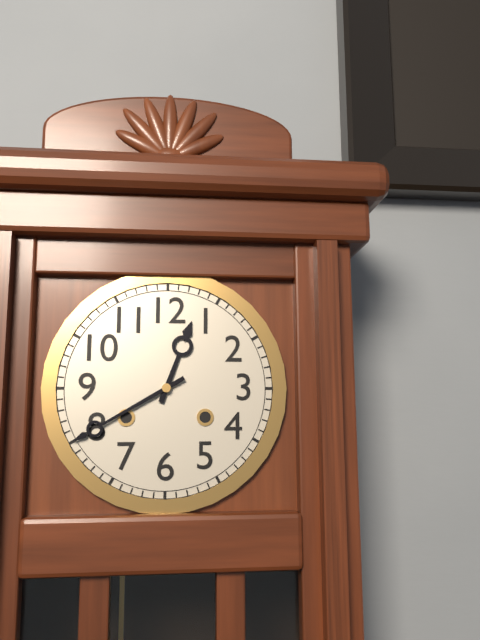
12:40
